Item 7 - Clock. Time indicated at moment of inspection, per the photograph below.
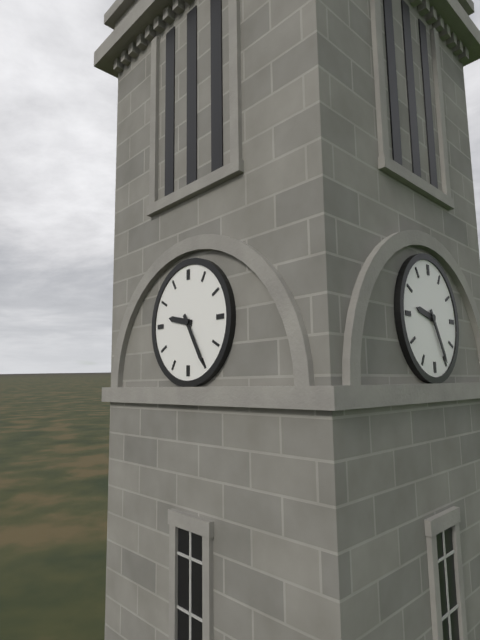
9:25
